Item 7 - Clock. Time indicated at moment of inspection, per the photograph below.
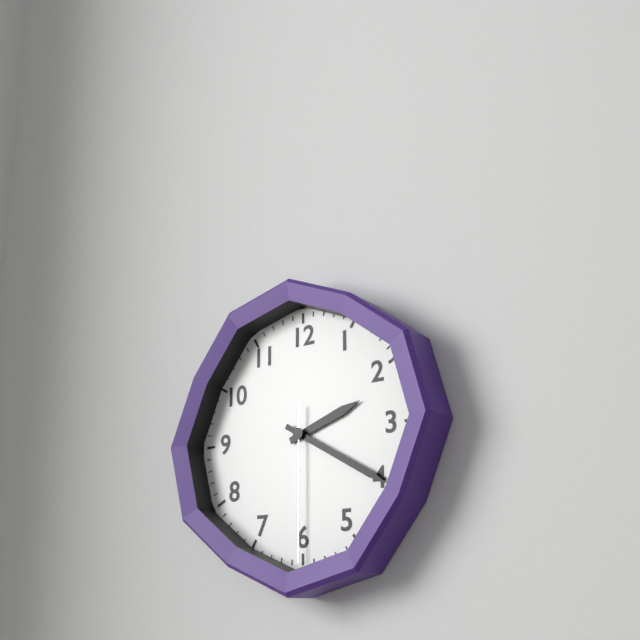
2:20:30
